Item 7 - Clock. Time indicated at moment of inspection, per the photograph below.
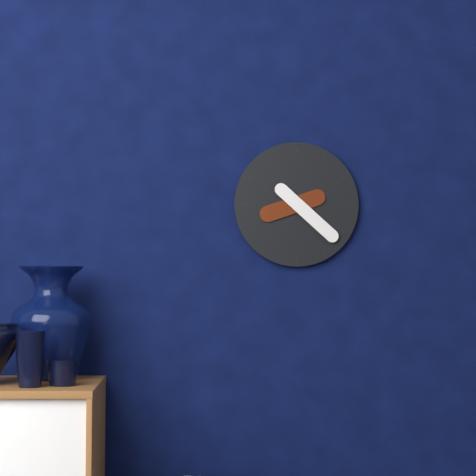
8:22
